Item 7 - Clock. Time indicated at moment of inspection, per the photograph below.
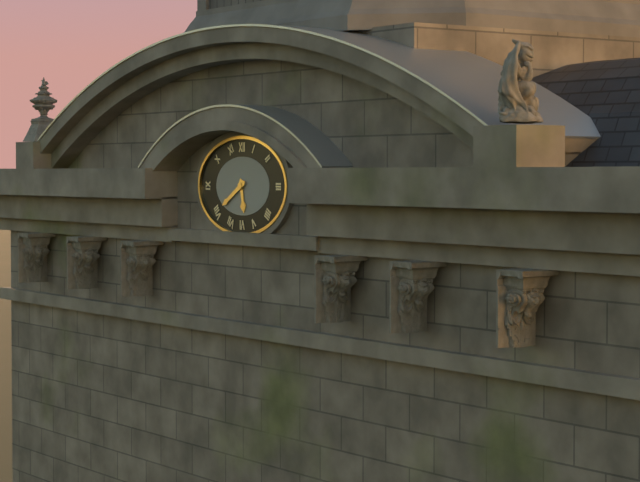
5:40
